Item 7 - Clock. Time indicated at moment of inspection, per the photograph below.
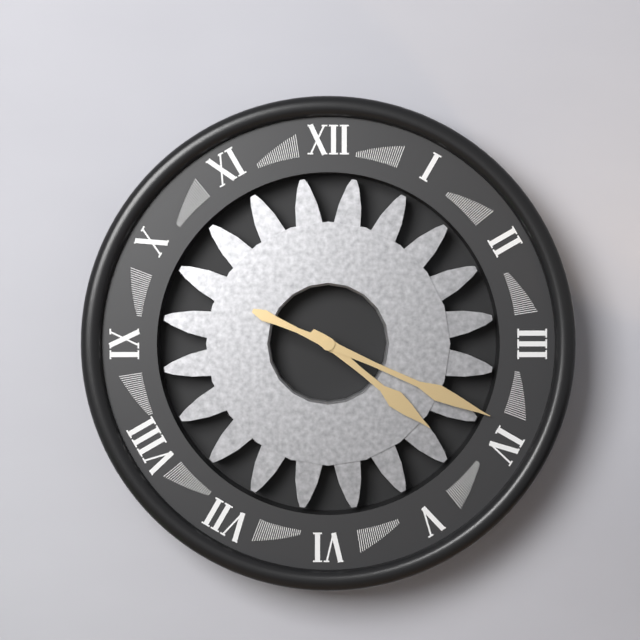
4:19
